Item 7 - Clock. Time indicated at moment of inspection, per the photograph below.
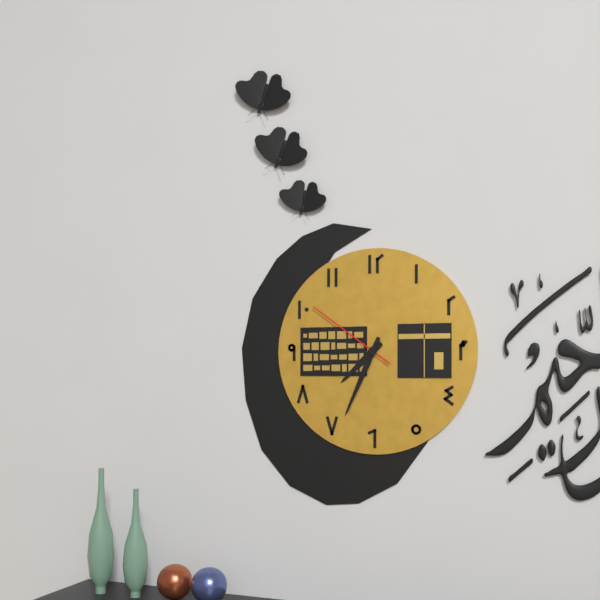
7:34:51
